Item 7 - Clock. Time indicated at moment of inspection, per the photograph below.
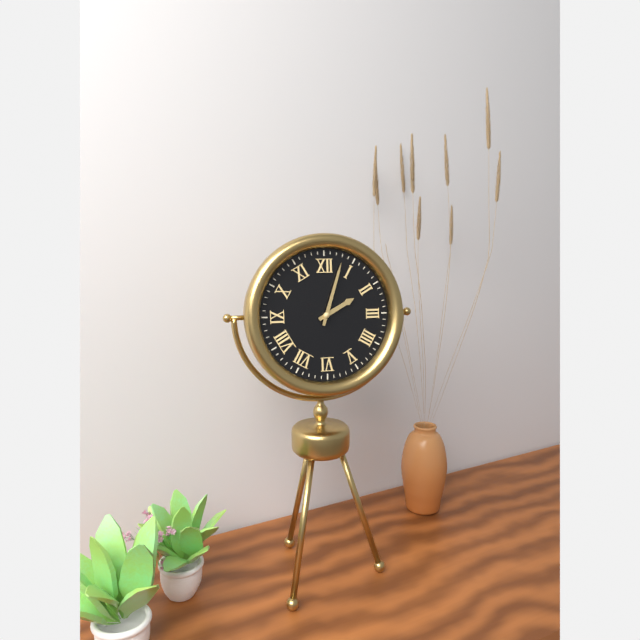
2:03
